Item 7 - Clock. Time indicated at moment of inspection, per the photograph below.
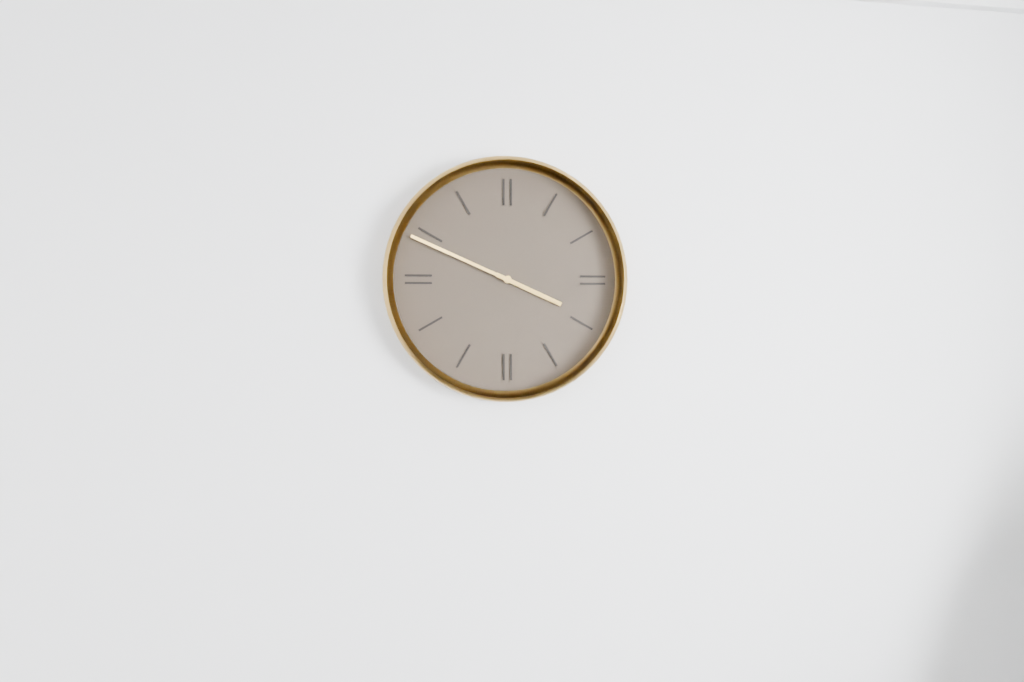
3:49
